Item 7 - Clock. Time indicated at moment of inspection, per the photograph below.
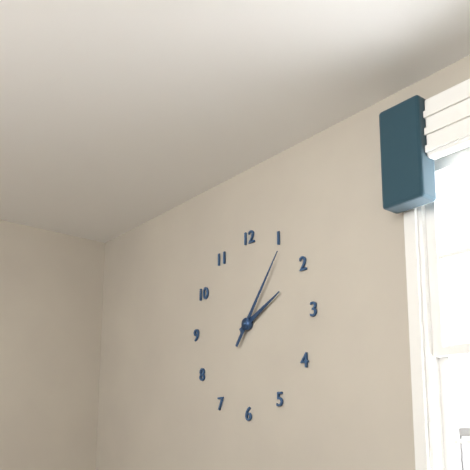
2:06
